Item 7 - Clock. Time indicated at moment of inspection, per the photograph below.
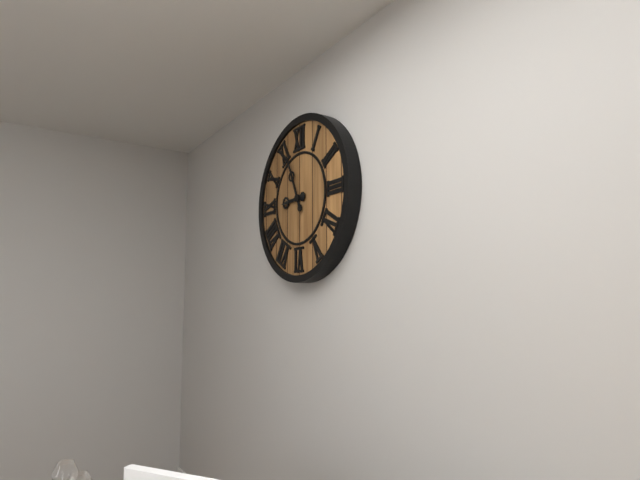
8:56
